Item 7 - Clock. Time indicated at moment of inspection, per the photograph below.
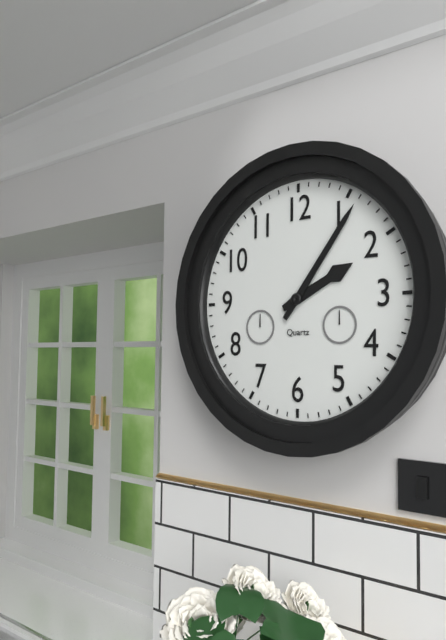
2:06
